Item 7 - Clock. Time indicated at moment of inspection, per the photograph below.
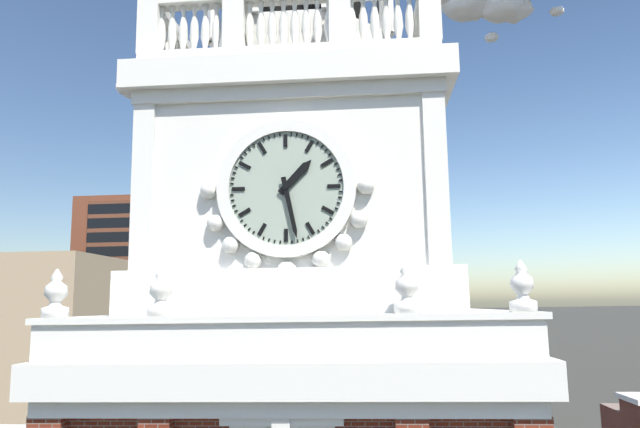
1:28
